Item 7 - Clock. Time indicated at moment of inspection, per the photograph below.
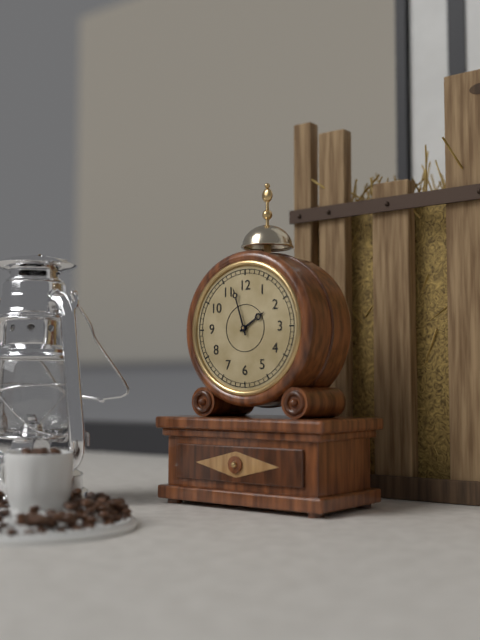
1:57
